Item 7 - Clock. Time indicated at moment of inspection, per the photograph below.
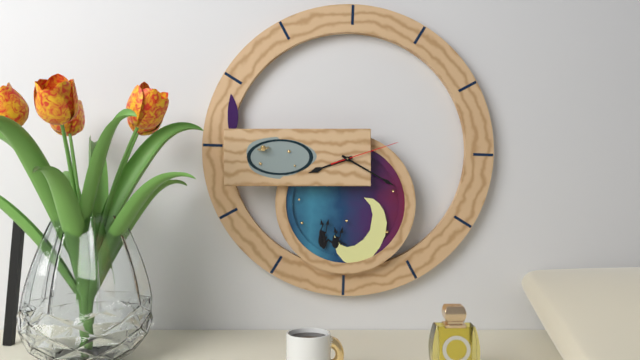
8:20:12
